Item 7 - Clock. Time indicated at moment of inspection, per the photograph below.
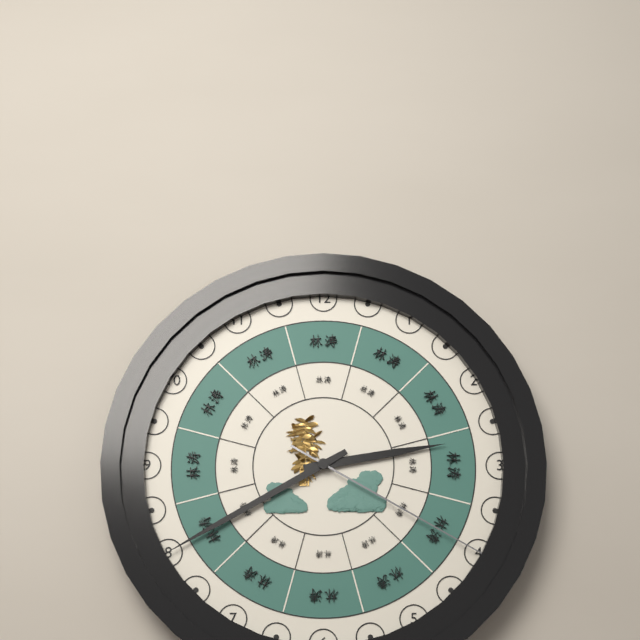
2:40:20
